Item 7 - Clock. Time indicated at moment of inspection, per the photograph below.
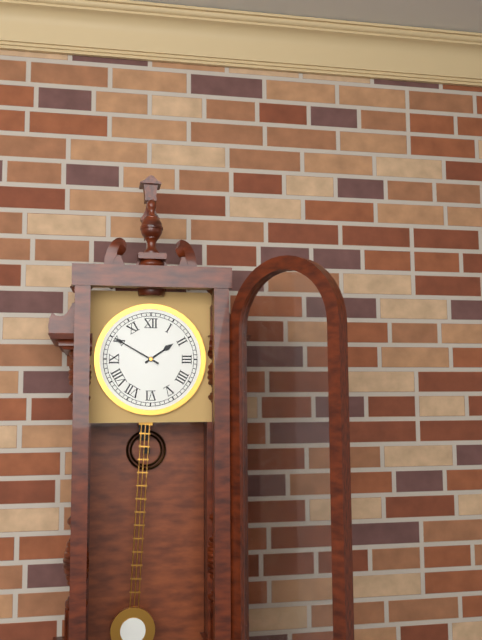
1:50
